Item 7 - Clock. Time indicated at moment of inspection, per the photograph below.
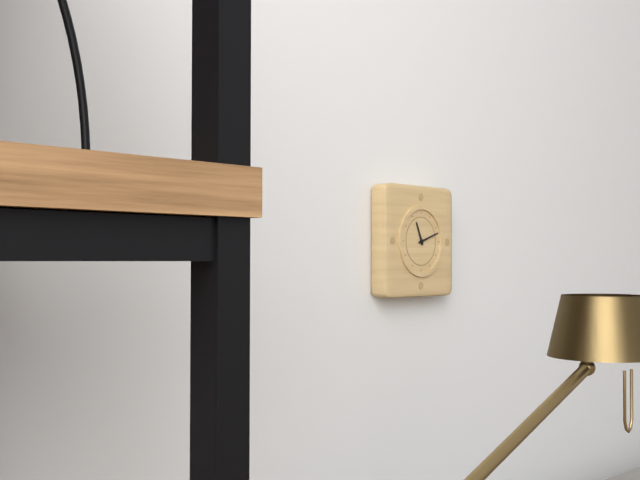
11:12
